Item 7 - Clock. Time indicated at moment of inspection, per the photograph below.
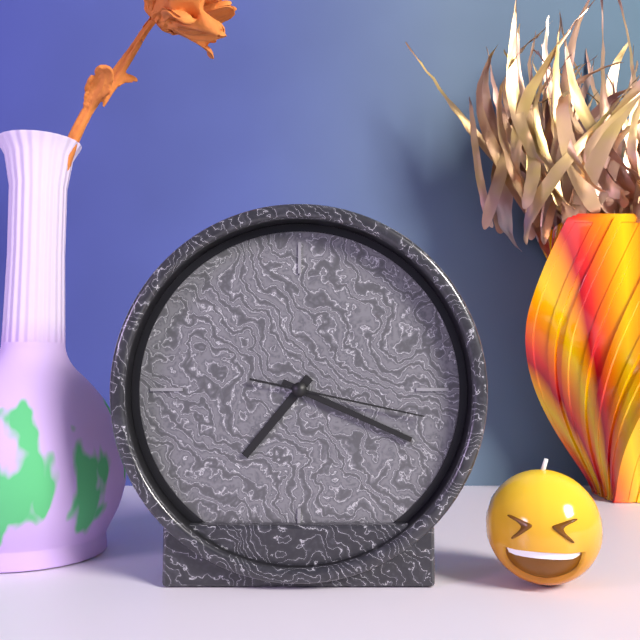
7:19:17
